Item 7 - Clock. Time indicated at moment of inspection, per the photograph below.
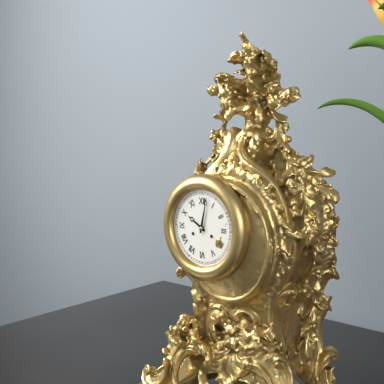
10:02
